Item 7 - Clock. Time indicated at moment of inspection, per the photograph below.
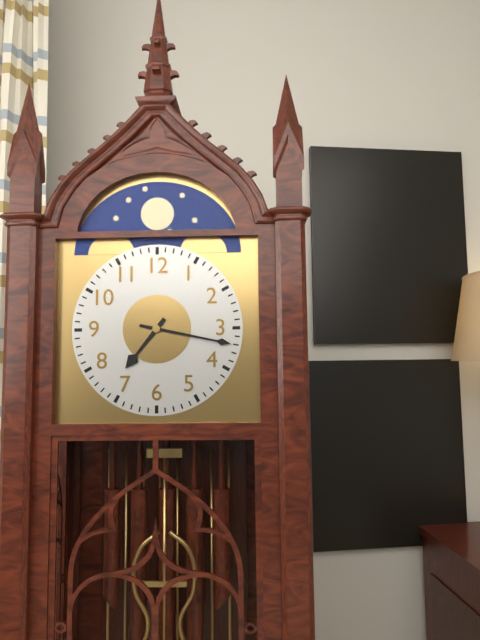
7:17
